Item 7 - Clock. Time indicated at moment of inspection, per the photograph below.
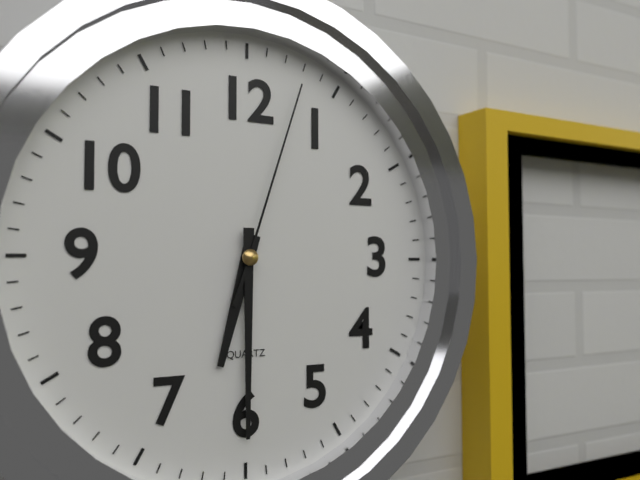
6:30:03
